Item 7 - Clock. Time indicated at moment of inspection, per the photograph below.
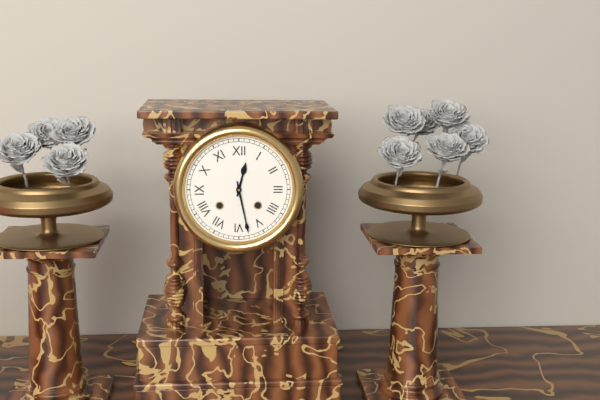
12:28
